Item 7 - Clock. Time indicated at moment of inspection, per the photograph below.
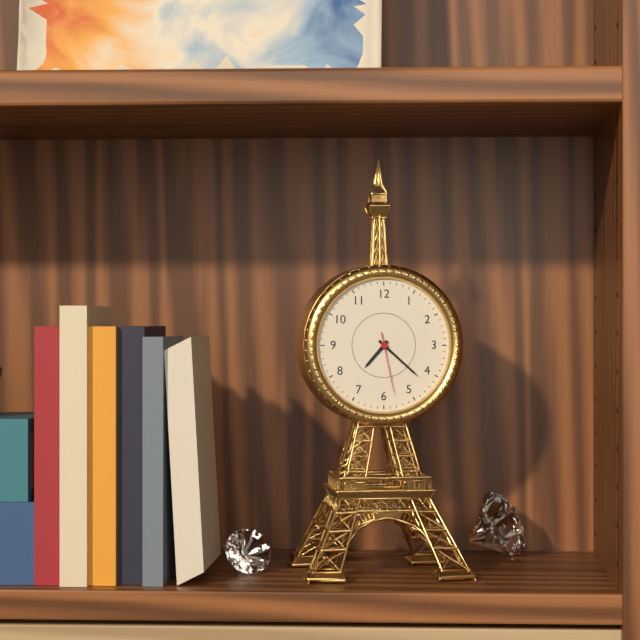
7:22:28
